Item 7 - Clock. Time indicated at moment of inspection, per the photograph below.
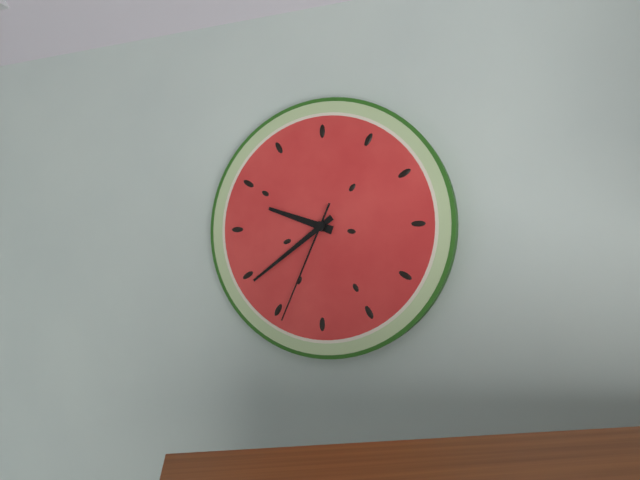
9:39:34
